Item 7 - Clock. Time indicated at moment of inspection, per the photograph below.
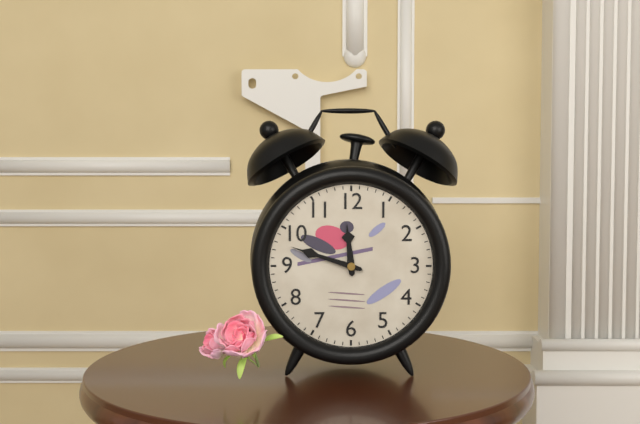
11:48
